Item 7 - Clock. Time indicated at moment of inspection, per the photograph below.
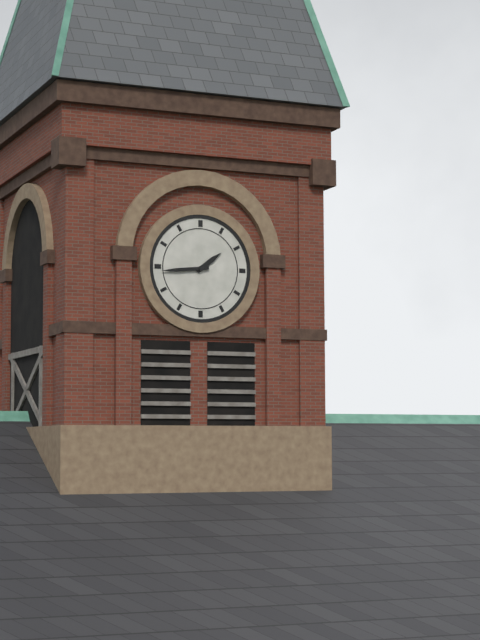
1:44
